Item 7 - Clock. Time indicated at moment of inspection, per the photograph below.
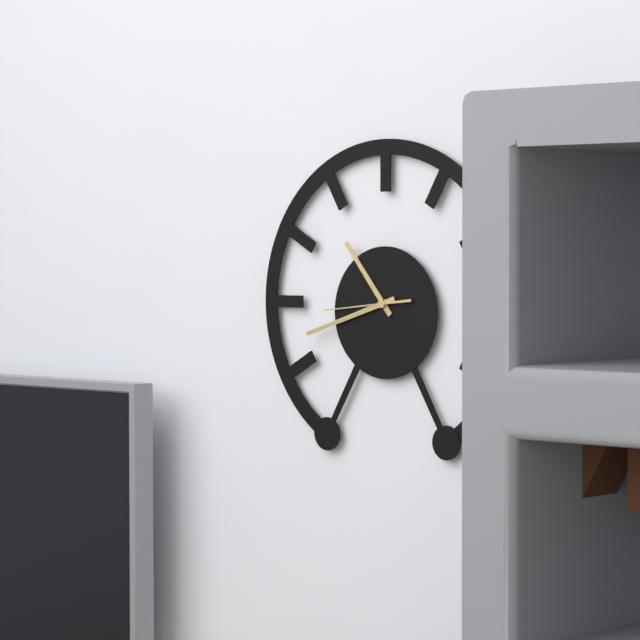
10:42:44
